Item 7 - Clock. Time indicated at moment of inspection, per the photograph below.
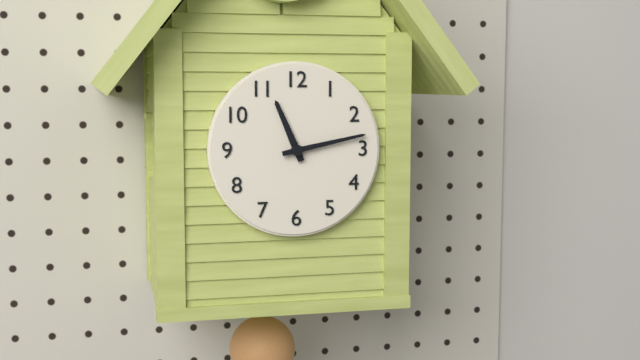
11:13
